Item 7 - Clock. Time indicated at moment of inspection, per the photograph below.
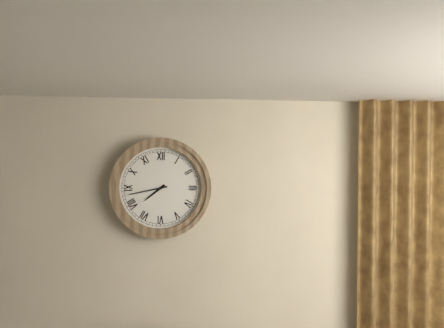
7:43
